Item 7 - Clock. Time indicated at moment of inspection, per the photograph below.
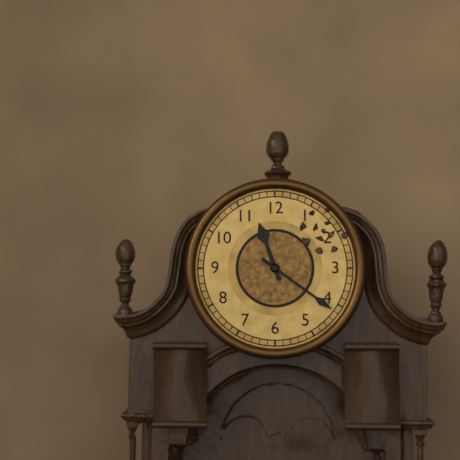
11:21
